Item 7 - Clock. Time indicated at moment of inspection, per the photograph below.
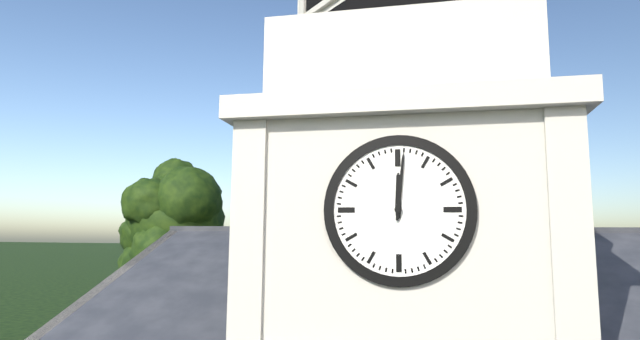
12:01
